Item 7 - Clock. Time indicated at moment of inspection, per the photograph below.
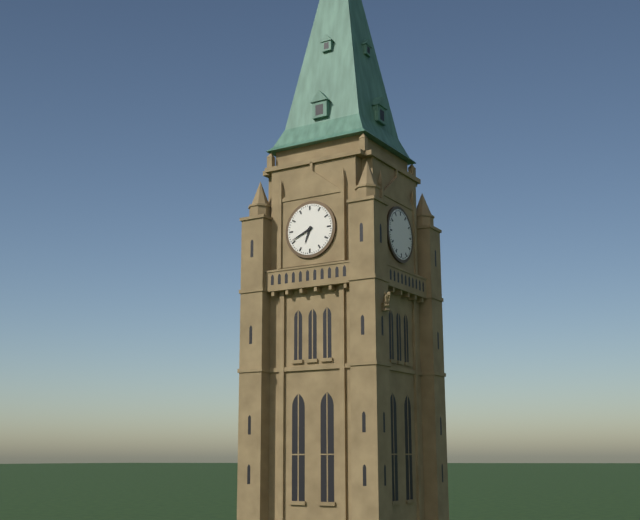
6:41
